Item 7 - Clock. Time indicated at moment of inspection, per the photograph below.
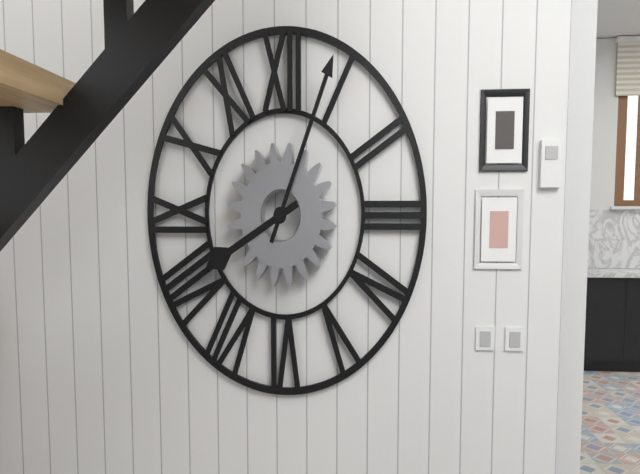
8:04
